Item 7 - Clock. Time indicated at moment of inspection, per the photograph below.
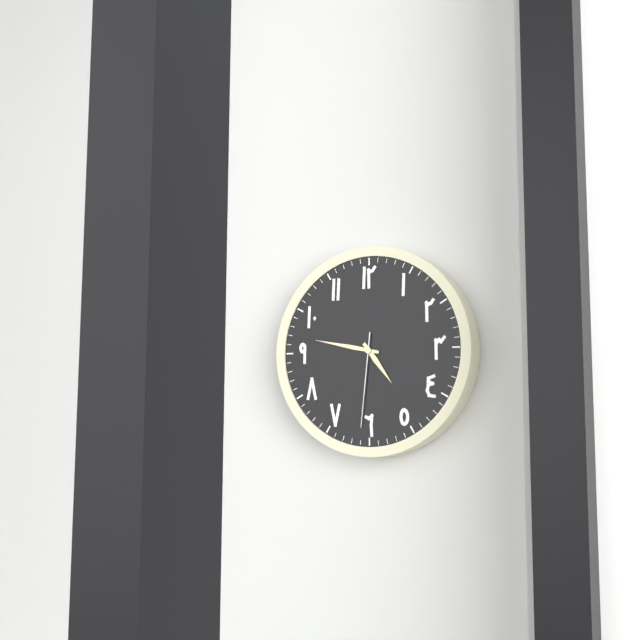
4:47:31
